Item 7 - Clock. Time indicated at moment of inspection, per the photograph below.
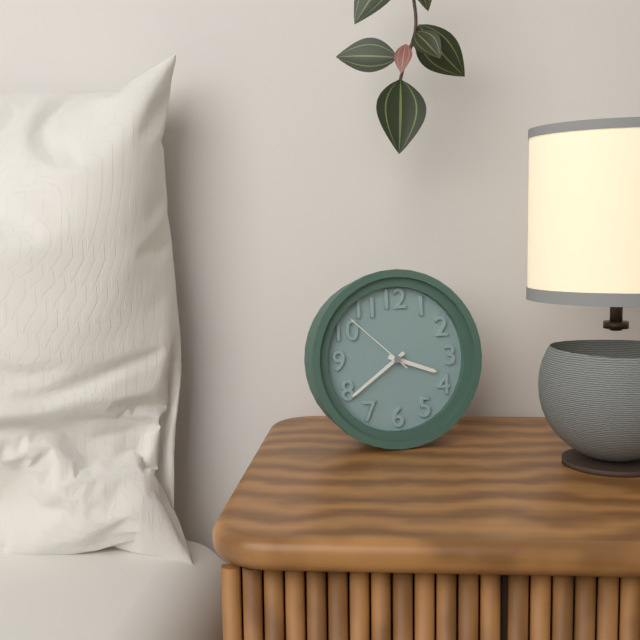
3:39:52
